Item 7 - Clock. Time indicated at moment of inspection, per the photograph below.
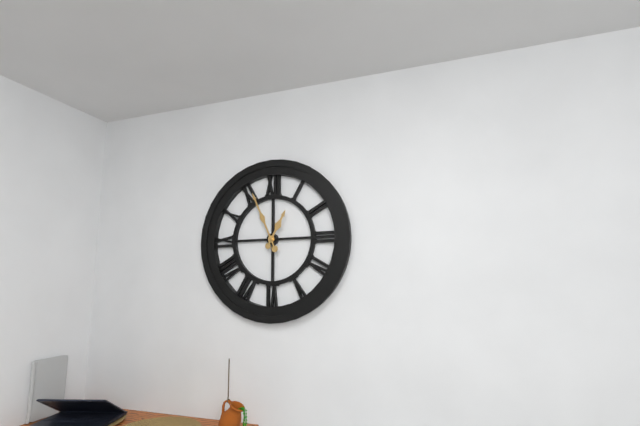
12:56
